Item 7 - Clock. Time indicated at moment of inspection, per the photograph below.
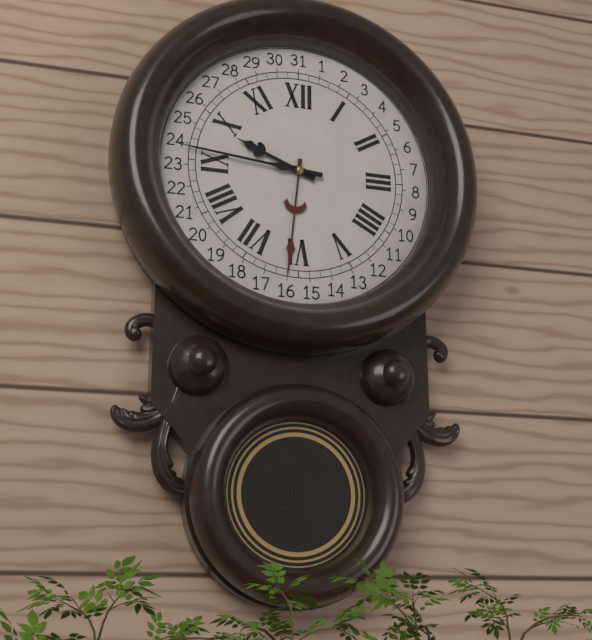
9:46
